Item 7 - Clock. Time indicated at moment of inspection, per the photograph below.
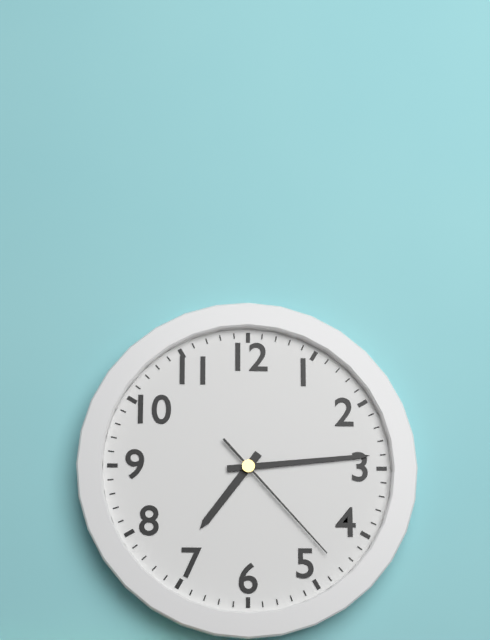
7:14:23
